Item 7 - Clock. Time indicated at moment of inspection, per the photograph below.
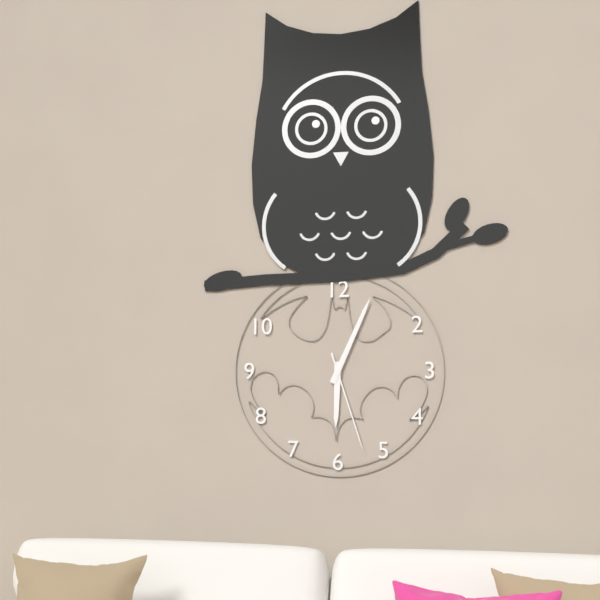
6:04:27
